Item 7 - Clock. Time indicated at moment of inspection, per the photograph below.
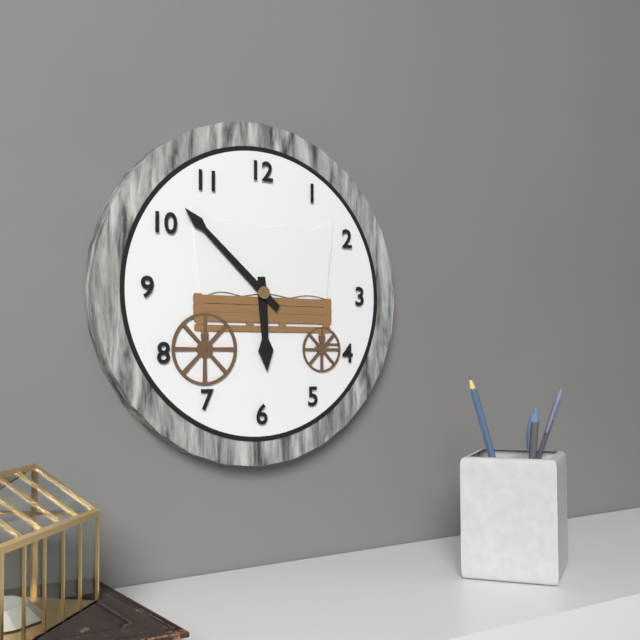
5:52
